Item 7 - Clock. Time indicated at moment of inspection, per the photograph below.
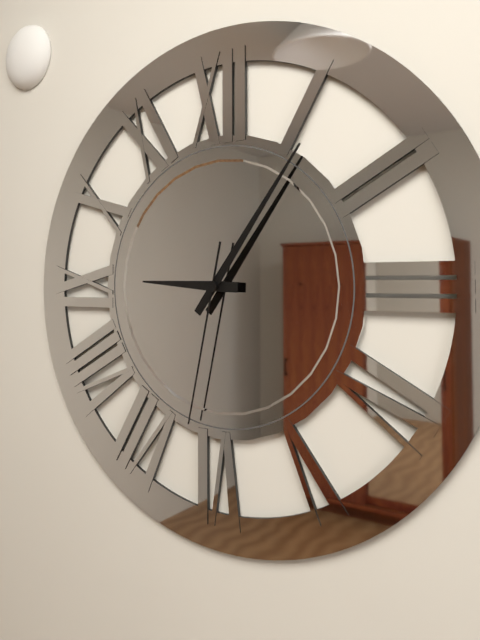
9:06:32
